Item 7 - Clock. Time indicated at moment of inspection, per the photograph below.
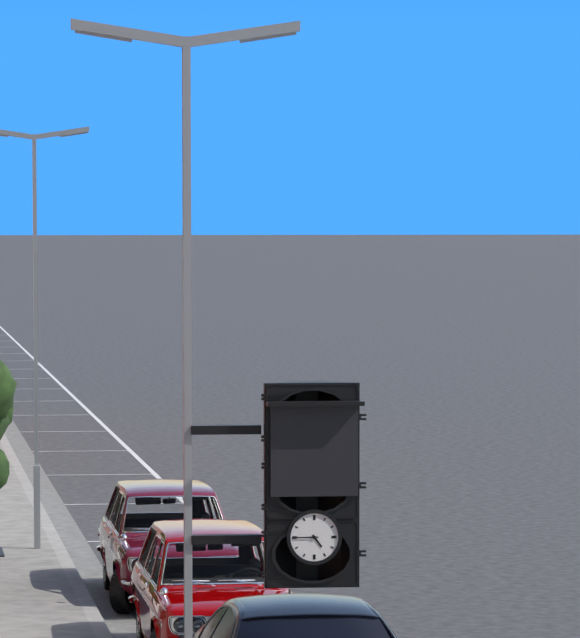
4:45
